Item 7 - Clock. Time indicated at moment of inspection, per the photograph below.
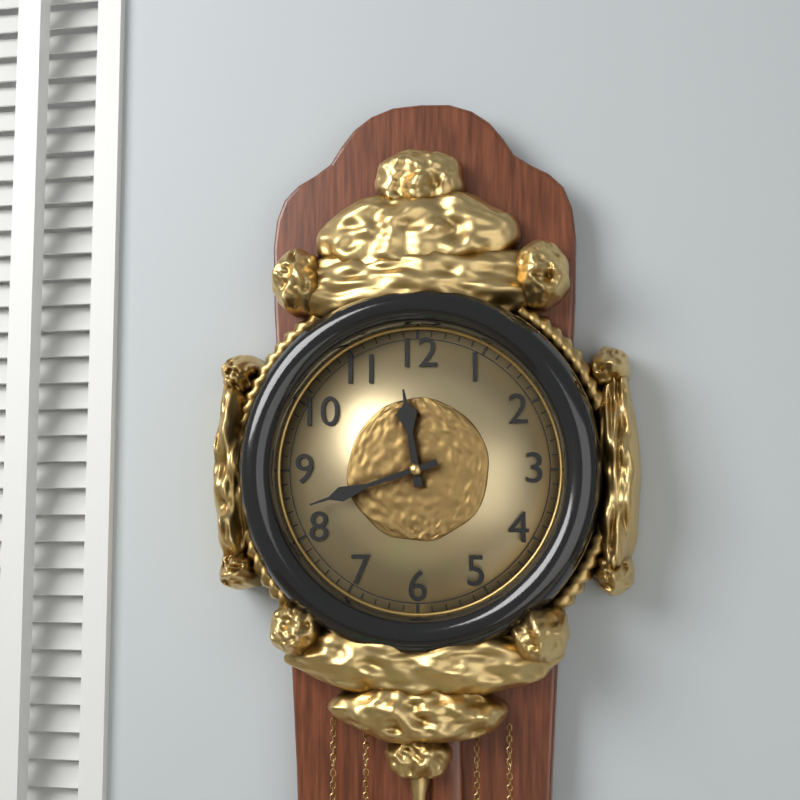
11:42
